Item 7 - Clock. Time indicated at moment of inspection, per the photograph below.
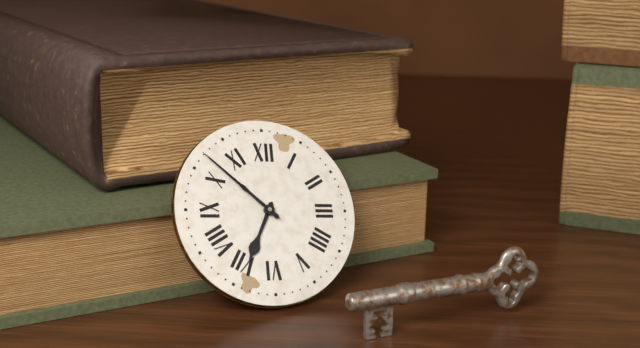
6:52
